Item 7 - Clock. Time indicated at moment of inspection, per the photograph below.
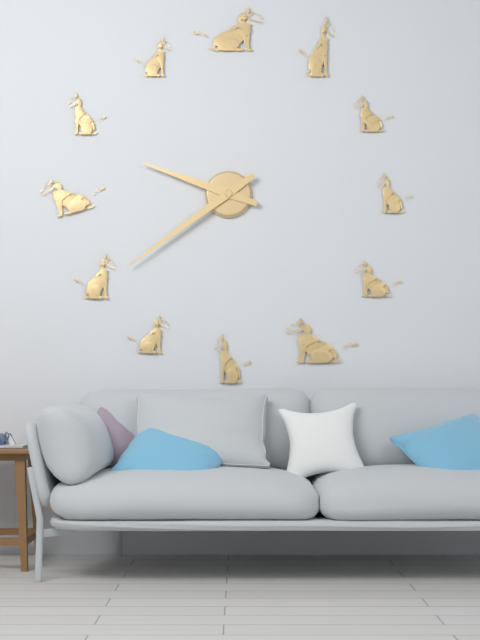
9:39
